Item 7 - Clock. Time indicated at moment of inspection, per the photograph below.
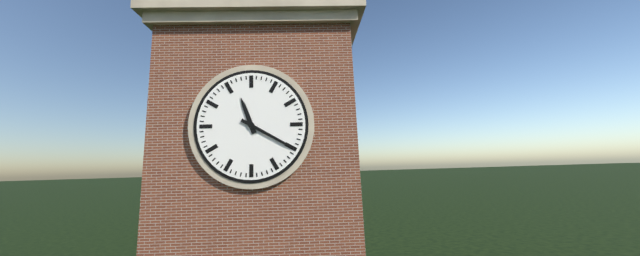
11:20
